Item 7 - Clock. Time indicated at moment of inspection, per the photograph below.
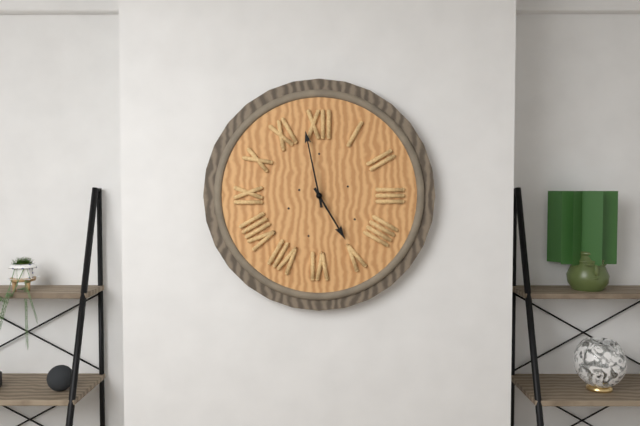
4:58
